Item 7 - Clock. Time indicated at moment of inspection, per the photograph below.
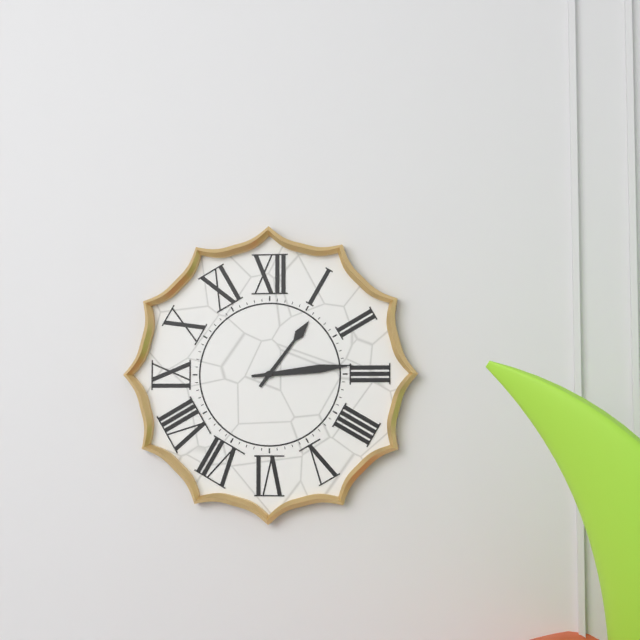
1:14
